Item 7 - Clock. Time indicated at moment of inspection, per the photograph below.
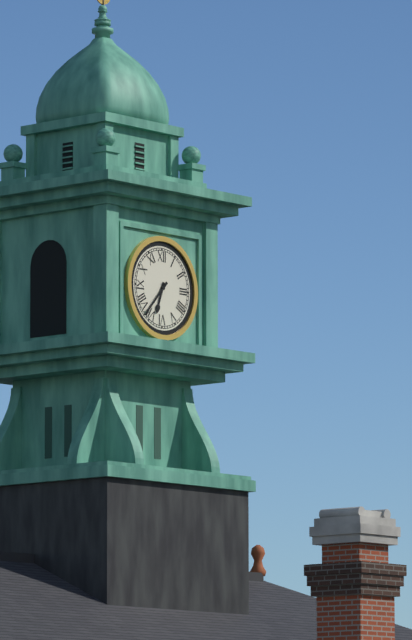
6:37
